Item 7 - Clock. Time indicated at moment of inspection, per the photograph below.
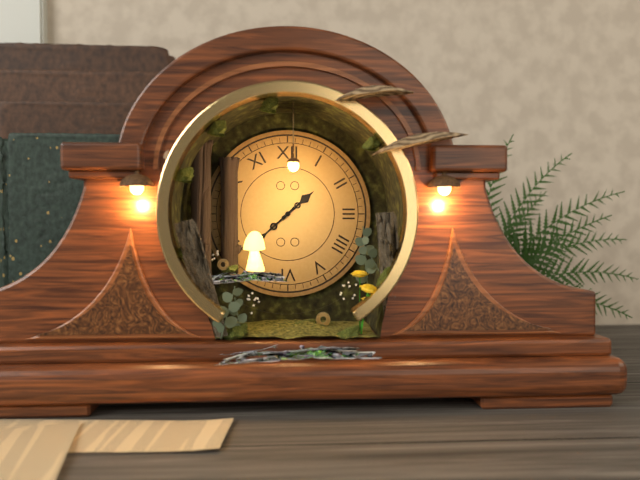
1:38
